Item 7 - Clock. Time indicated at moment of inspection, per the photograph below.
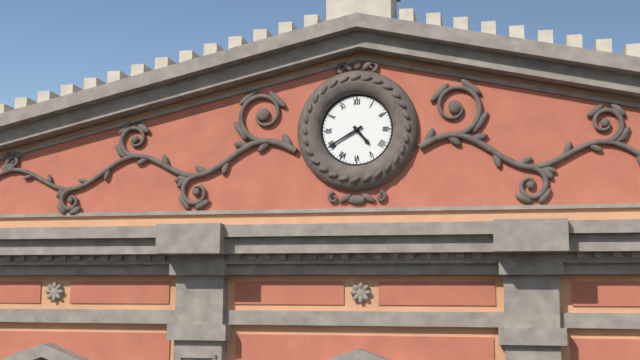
4:40
